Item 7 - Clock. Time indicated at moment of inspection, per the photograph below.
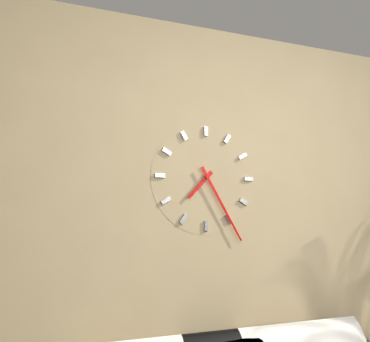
7:25
